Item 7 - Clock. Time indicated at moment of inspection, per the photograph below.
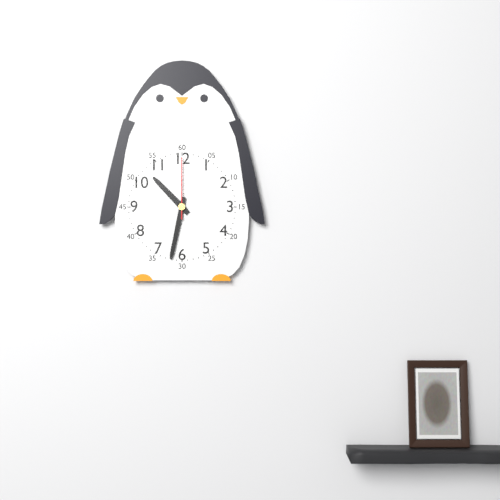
10:32:00
